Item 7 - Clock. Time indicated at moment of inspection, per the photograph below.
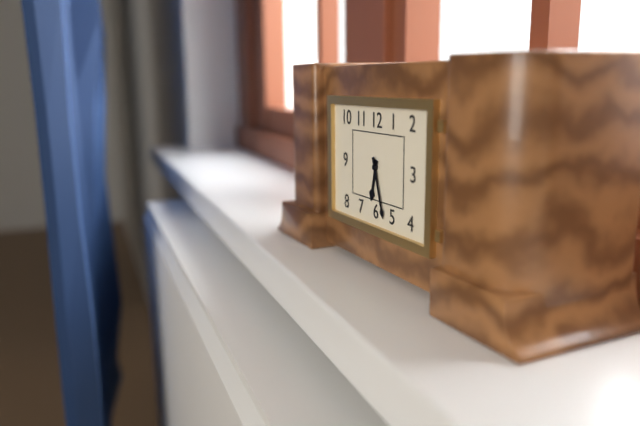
6:27
